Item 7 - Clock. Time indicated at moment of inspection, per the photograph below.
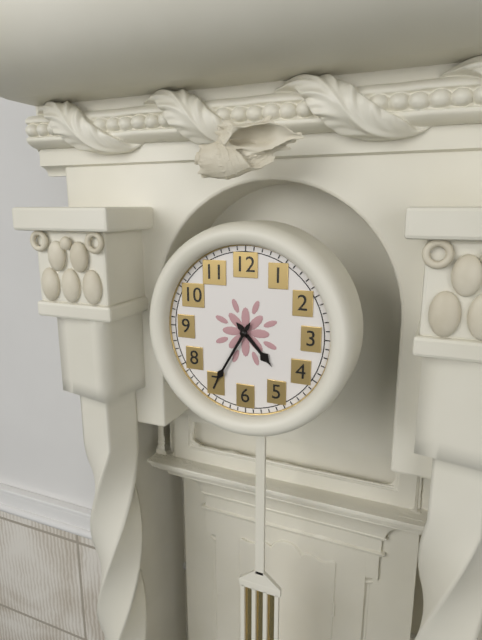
4:35
